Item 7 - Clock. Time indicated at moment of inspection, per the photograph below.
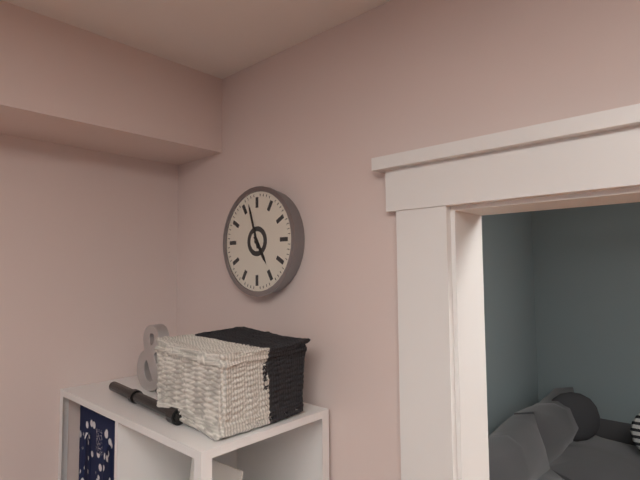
4:57
